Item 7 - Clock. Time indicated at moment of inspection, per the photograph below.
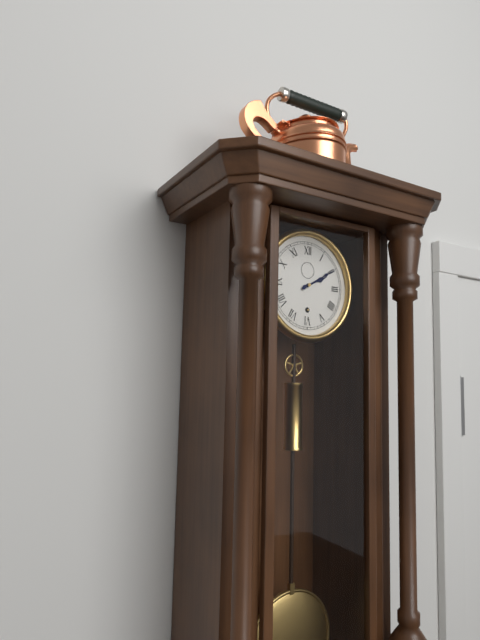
2:10
